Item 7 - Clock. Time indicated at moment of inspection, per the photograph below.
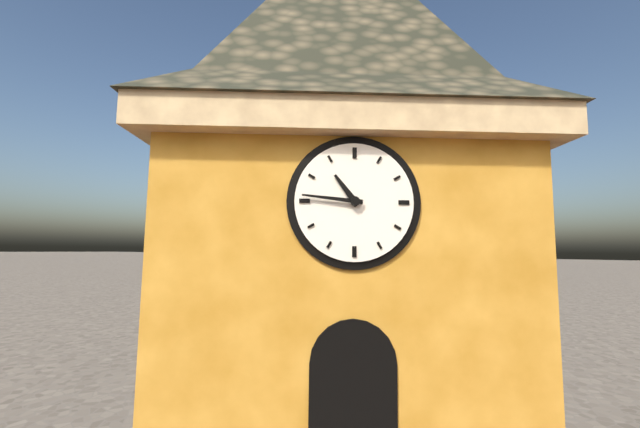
10:46
